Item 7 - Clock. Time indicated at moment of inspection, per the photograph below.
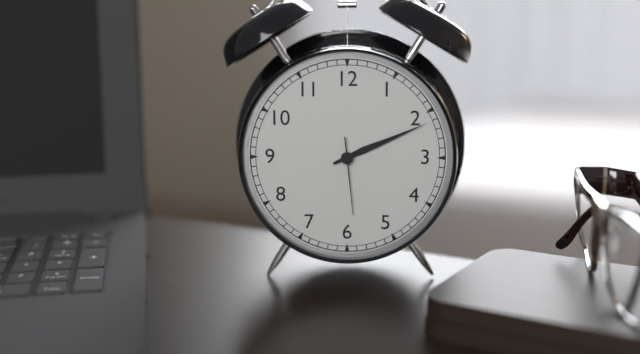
2:11:29
